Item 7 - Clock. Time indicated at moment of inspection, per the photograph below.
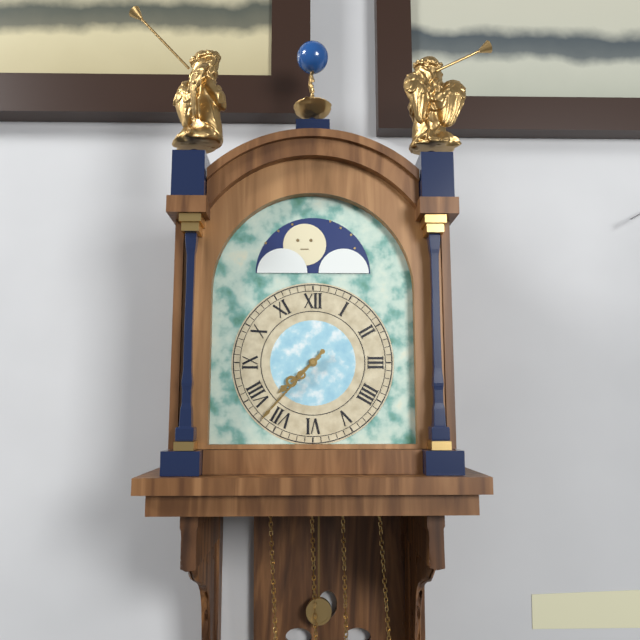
7:37
